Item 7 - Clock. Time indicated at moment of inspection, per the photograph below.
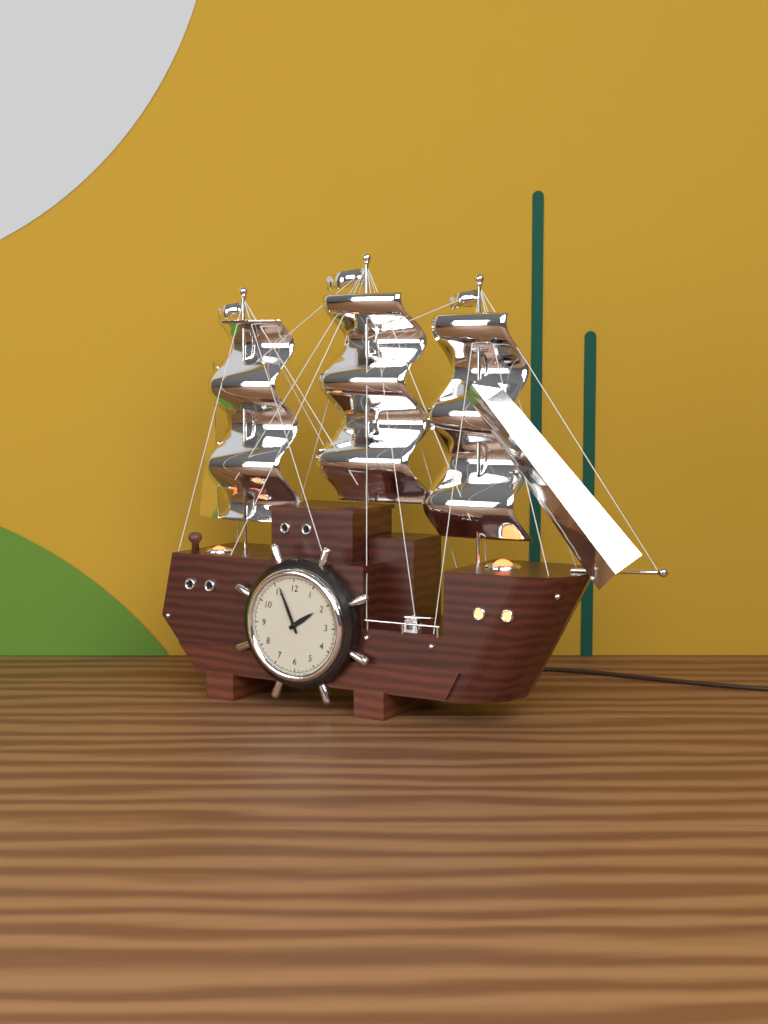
1:56
